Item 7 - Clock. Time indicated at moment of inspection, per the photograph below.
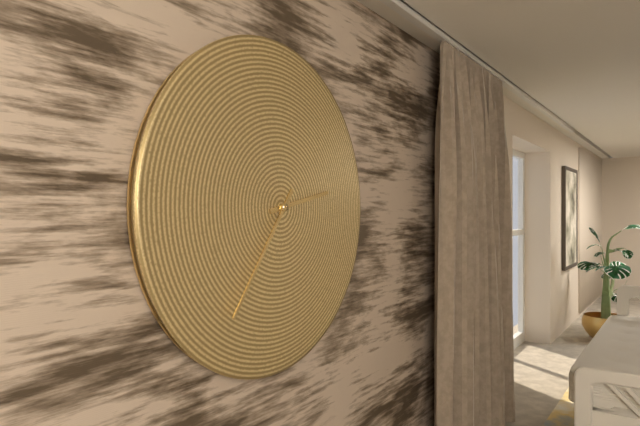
2:36
